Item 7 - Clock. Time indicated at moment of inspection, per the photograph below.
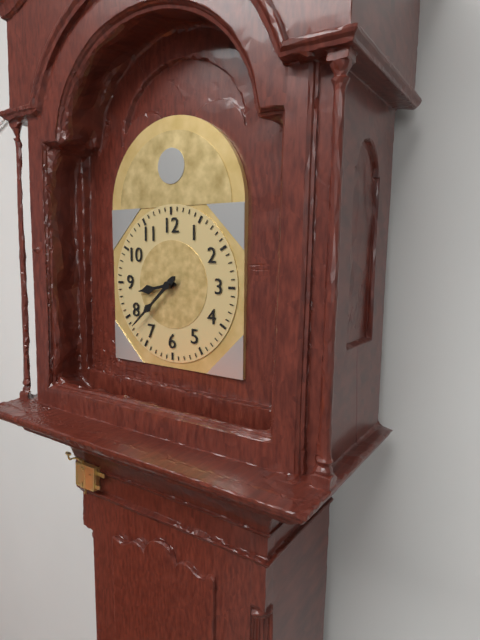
8:38
